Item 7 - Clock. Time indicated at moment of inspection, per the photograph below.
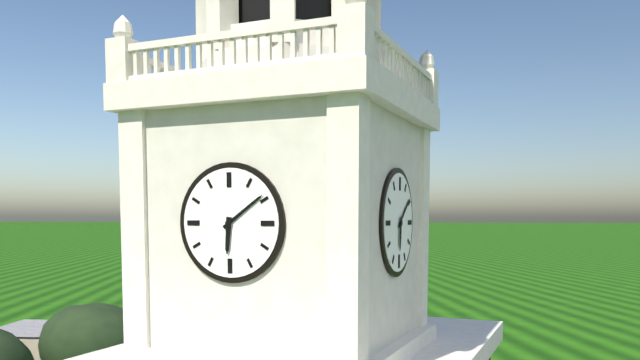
6:09
